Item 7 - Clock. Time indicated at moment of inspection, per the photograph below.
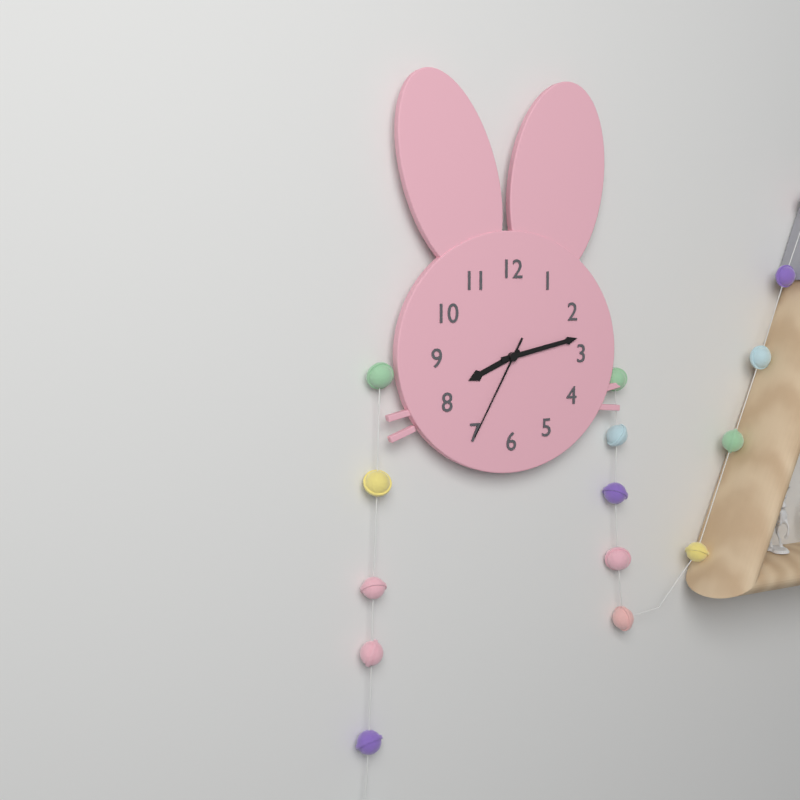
8:13:35
